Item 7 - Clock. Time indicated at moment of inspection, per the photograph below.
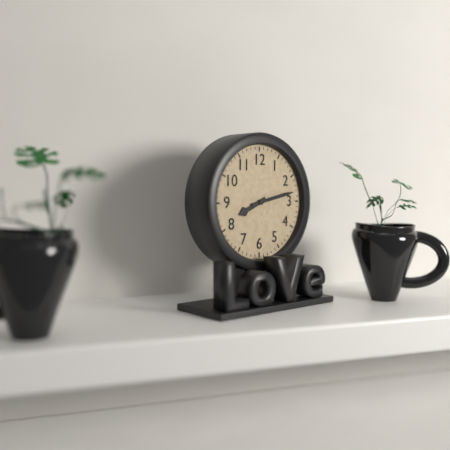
8:13
